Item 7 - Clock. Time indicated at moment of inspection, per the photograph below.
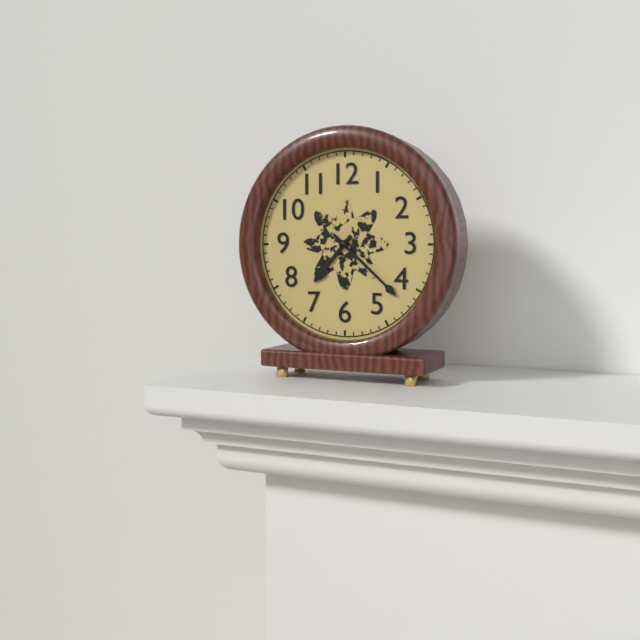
7:22
